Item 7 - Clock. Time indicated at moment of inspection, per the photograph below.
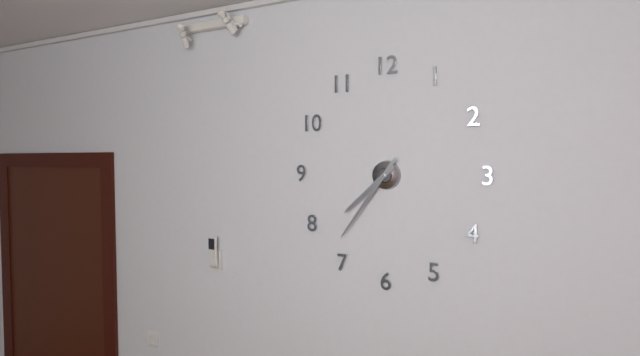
7:36
